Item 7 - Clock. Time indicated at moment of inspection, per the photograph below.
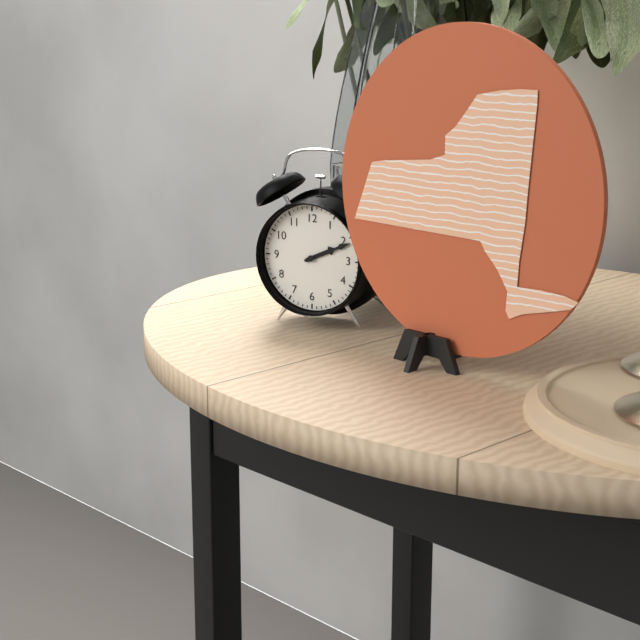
2:11
